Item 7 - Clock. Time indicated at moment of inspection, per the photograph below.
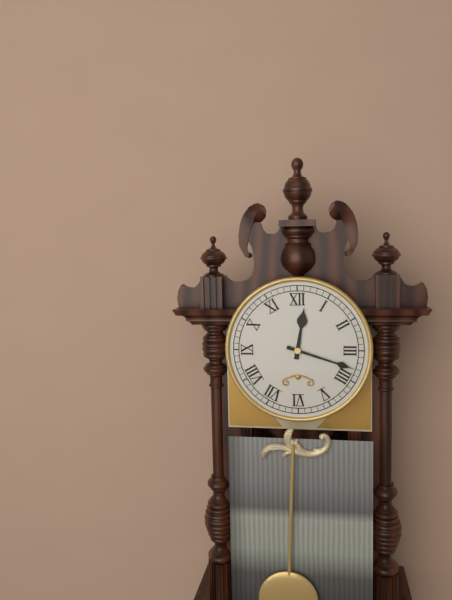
12:18
